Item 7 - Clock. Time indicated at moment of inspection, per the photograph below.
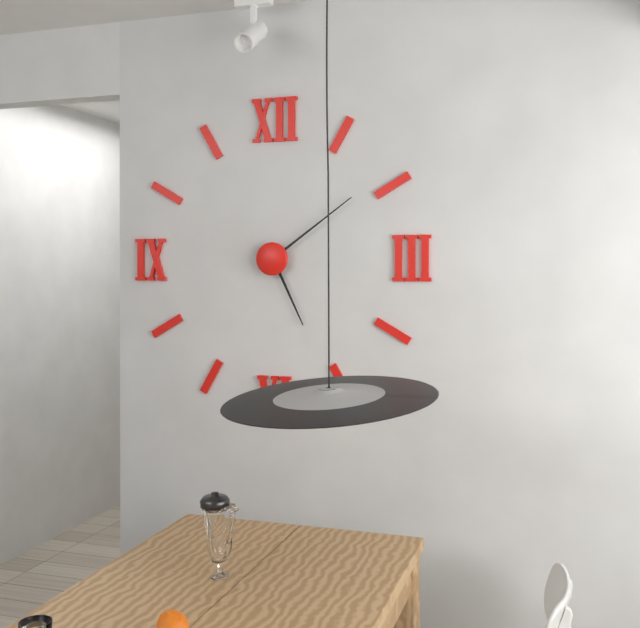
5:09
